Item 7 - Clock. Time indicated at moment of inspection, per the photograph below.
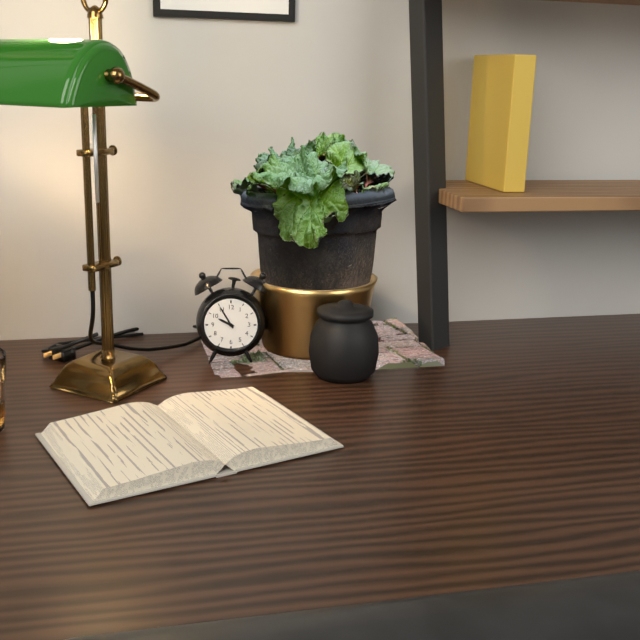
9:55
